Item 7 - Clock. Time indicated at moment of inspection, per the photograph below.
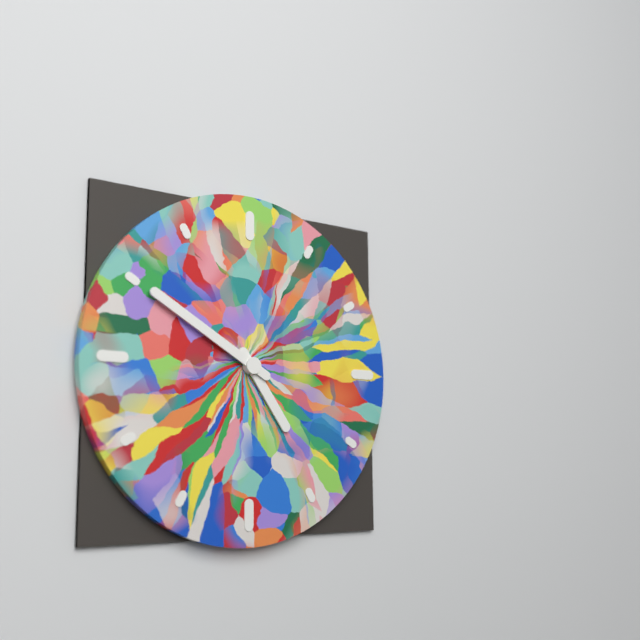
4:50
